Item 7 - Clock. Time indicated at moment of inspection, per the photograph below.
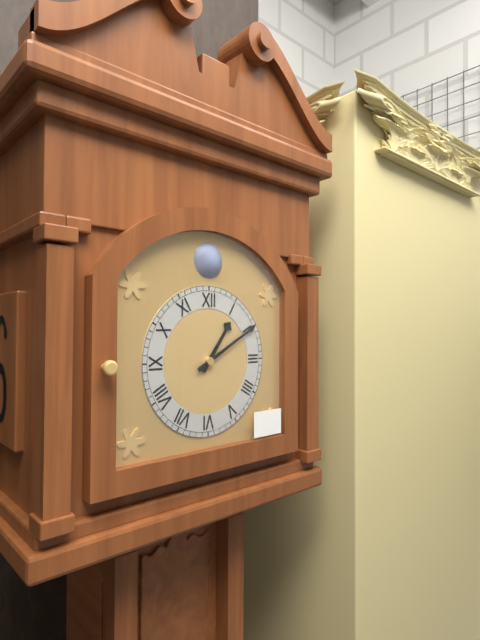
1:10
